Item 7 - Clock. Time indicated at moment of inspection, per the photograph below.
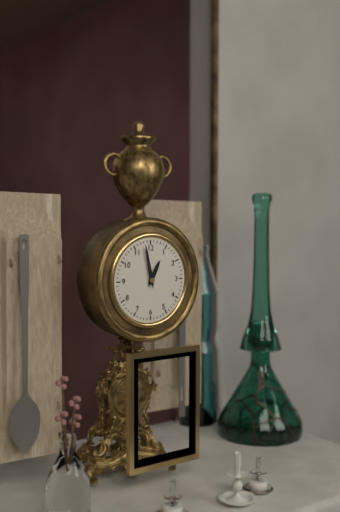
12:58
